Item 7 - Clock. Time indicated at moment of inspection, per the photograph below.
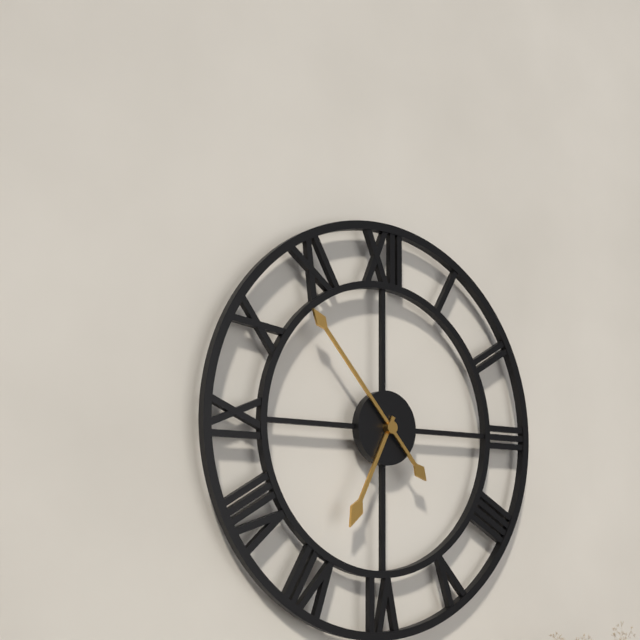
6:53
